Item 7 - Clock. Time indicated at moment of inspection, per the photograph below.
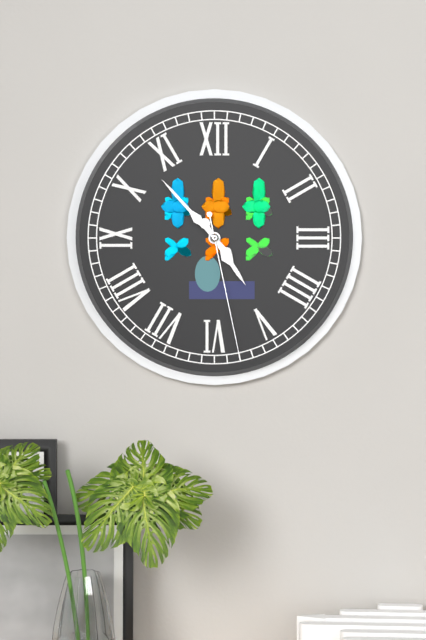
4:53:28
